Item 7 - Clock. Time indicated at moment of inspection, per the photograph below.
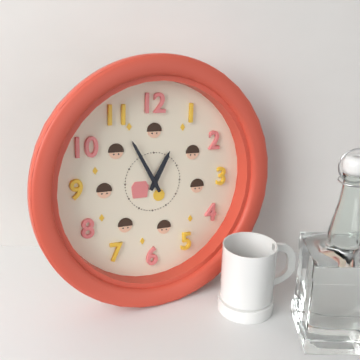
12:55
